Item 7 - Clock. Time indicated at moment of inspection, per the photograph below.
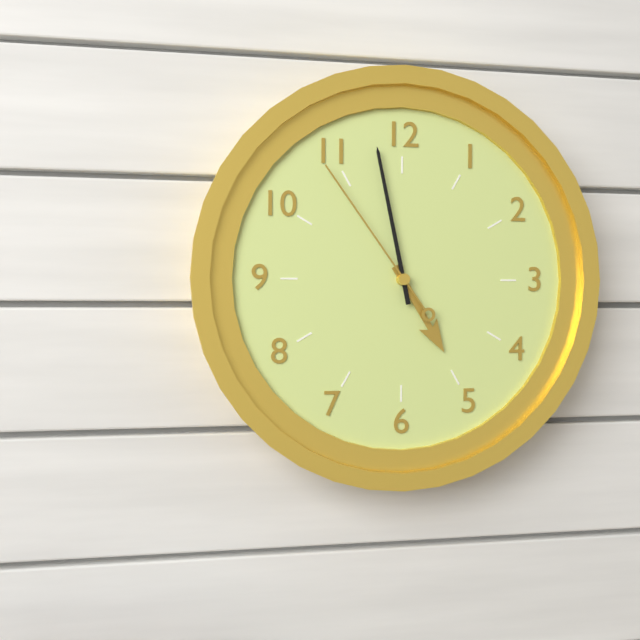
4:58:54
